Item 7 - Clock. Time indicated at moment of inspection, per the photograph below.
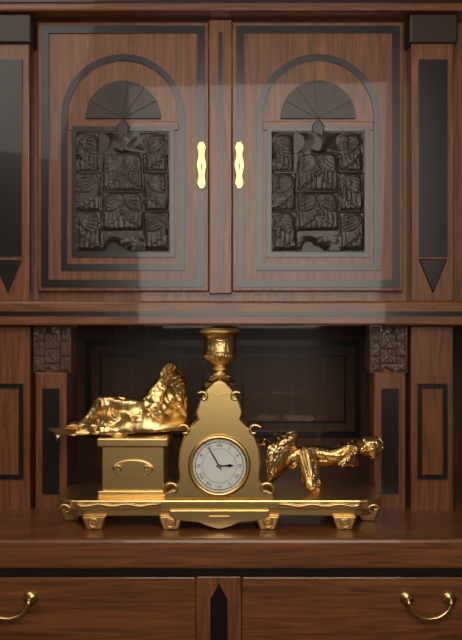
2:55
